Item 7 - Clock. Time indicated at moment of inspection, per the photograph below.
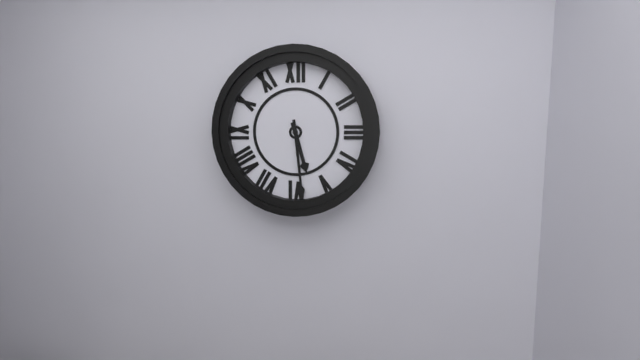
5:29
